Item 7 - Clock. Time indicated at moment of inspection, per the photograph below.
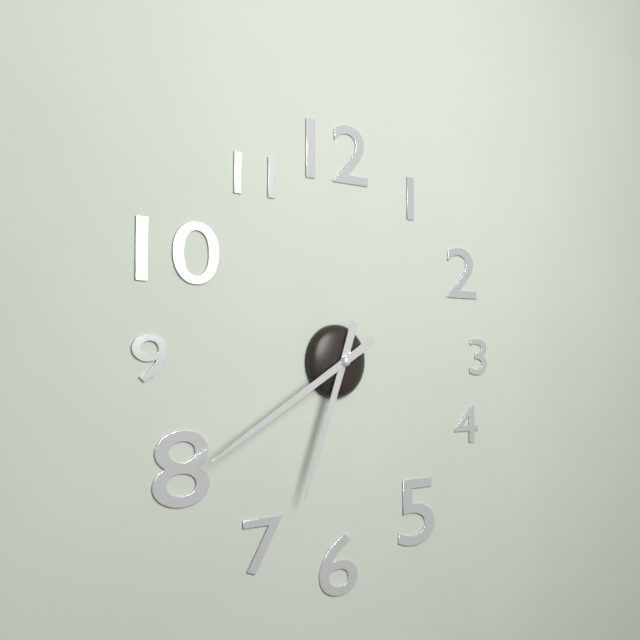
6:40
